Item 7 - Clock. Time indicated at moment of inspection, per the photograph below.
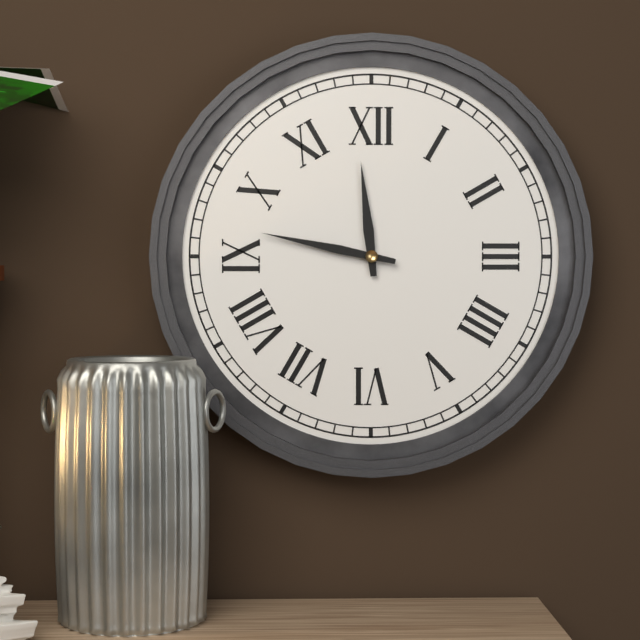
11:47
